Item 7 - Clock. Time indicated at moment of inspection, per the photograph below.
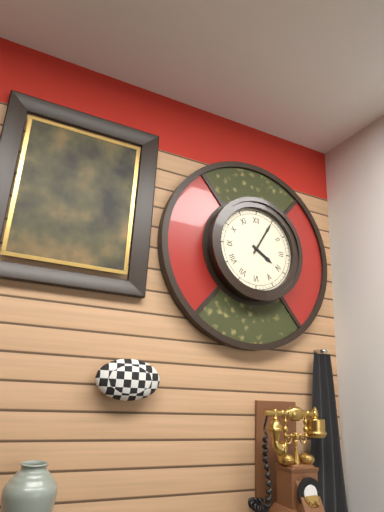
4:05
